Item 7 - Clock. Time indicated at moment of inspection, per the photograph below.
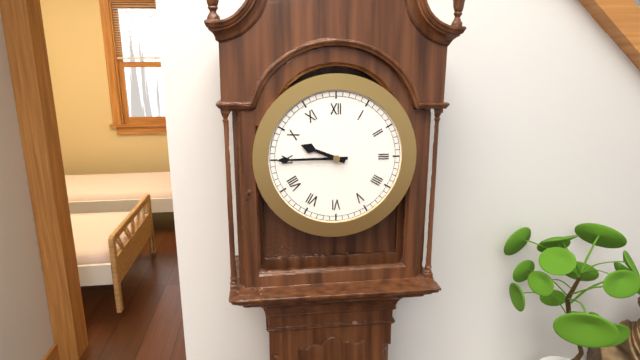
9:45
